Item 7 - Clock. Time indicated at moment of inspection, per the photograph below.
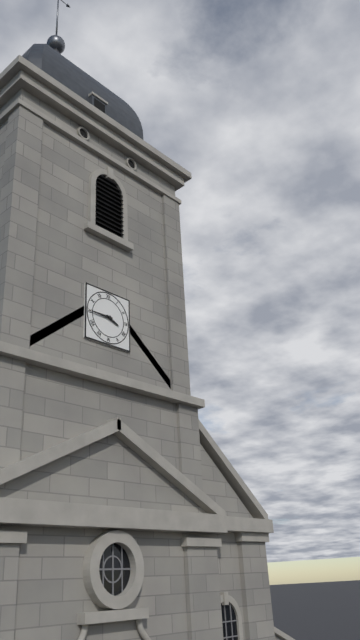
3:45
